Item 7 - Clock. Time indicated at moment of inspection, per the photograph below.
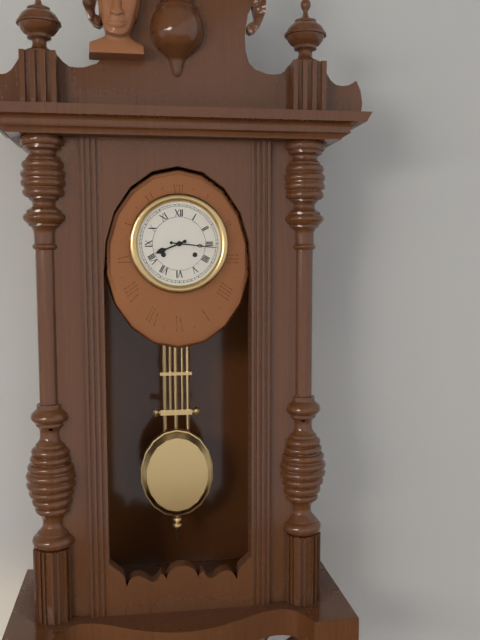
8:16
